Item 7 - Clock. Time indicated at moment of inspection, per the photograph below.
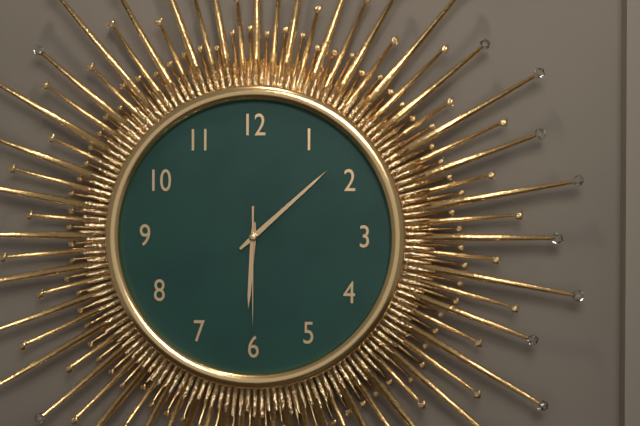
6:08:30
